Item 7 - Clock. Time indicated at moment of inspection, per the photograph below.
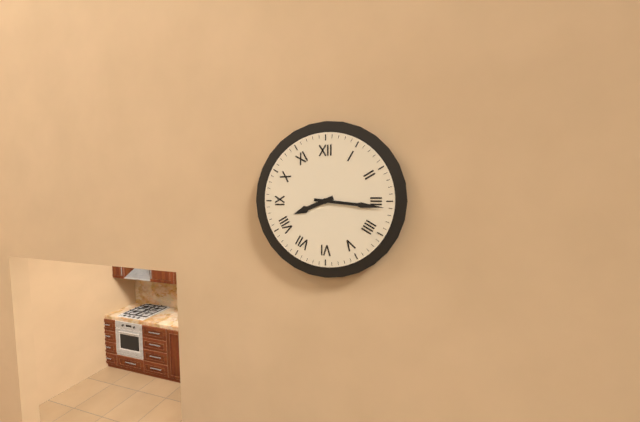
8:16
